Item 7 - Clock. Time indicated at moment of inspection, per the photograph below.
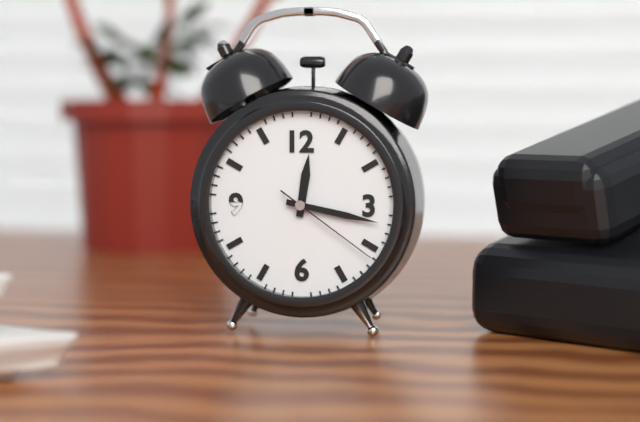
12:17:21
